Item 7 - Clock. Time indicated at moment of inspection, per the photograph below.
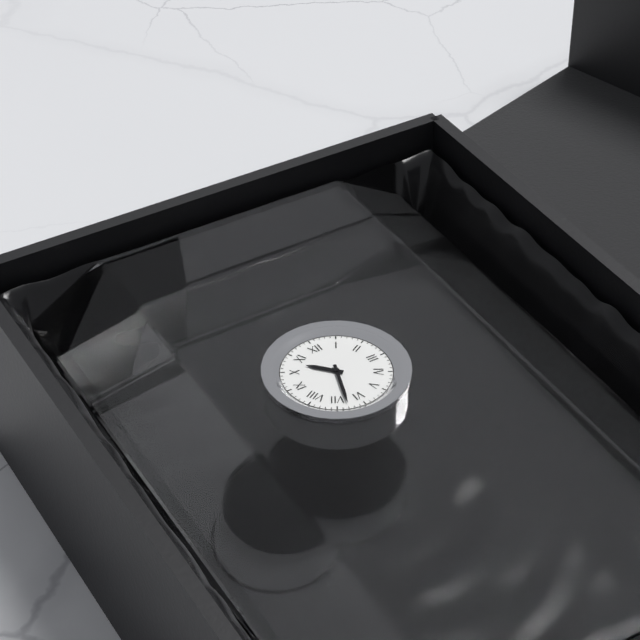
10:33
